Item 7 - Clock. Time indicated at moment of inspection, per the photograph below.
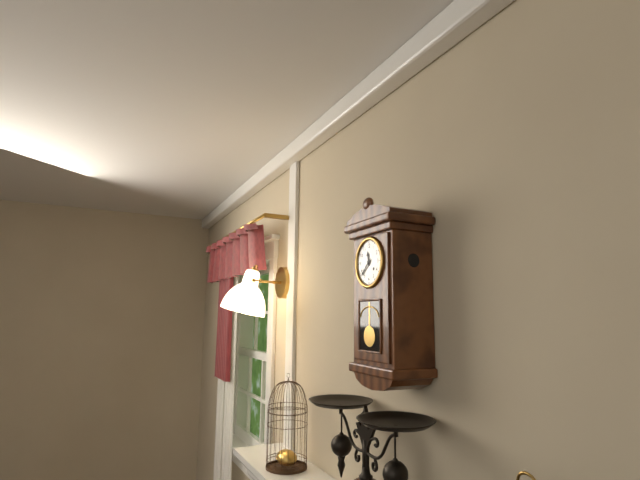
11:38
